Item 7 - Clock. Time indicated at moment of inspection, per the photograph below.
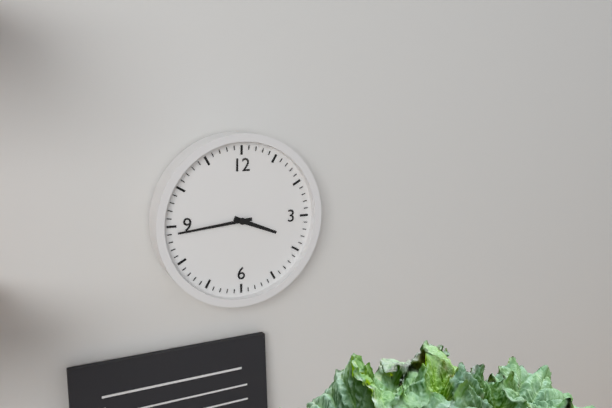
3:44
